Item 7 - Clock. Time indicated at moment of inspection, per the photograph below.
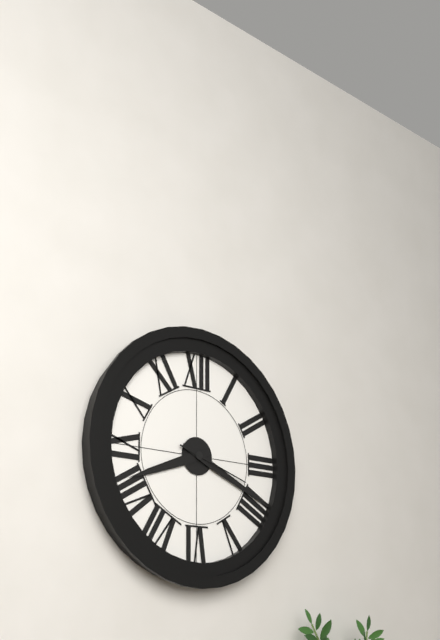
8:19:18
